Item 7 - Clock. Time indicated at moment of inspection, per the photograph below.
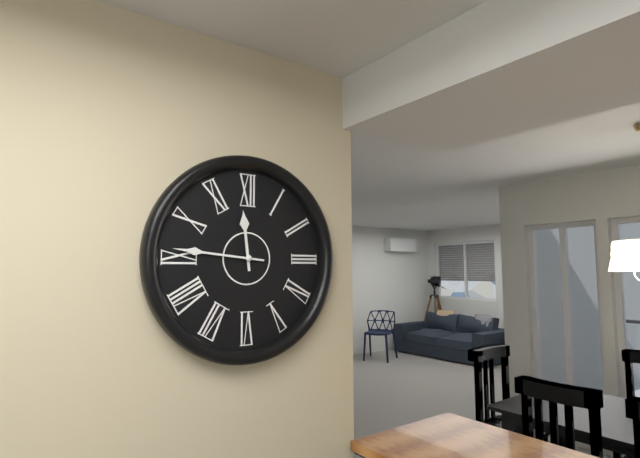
11:46
